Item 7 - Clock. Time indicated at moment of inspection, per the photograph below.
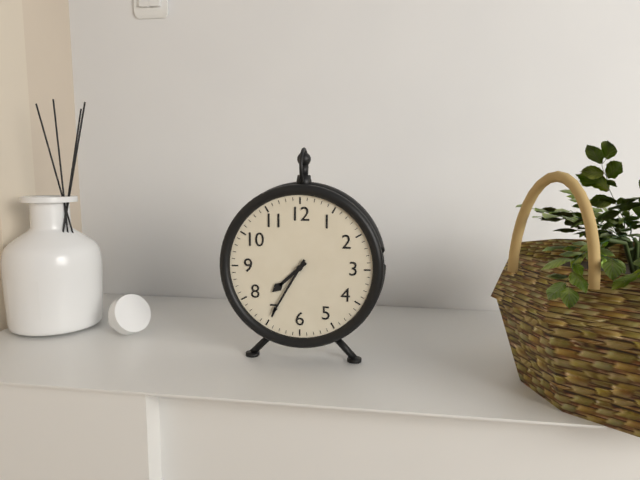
7:35
